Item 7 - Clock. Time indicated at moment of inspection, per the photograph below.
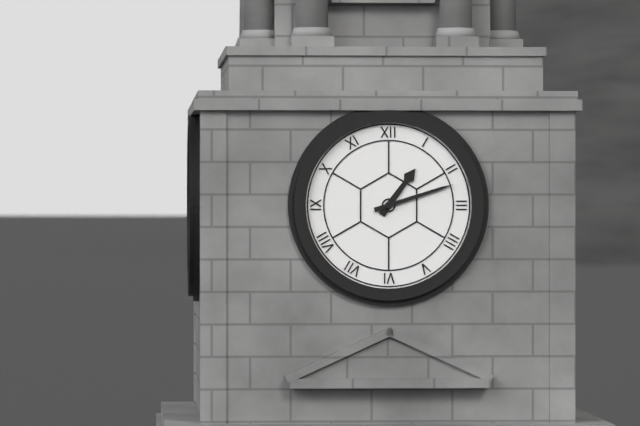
1:12
